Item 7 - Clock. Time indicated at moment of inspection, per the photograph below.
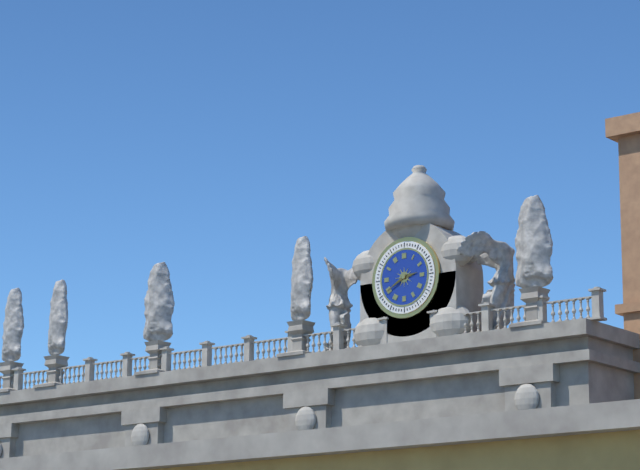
2:40
